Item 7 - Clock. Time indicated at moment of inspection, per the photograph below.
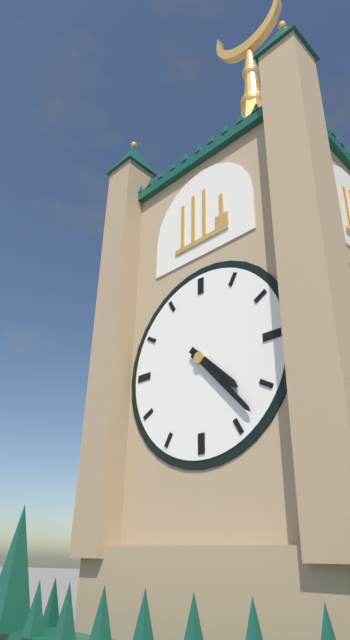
4:23
